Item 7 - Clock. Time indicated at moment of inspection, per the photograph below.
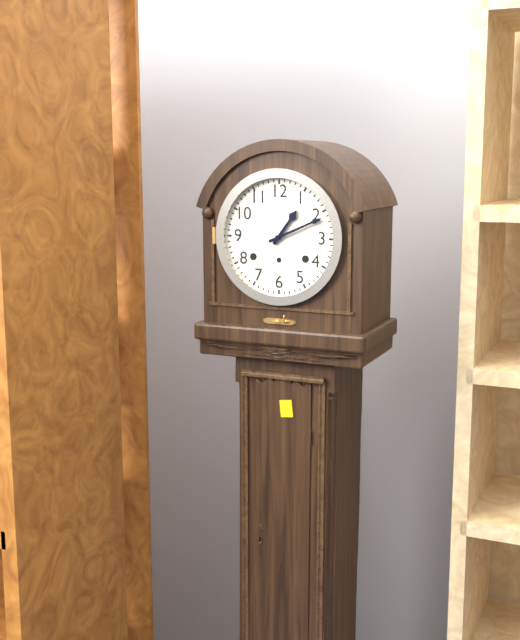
1:11
